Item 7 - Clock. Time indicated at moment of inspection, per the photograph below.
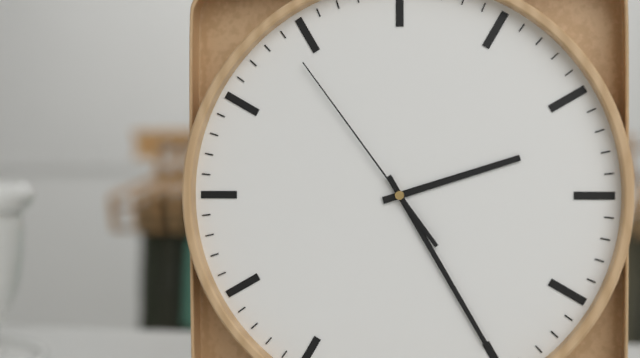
2:25:54
